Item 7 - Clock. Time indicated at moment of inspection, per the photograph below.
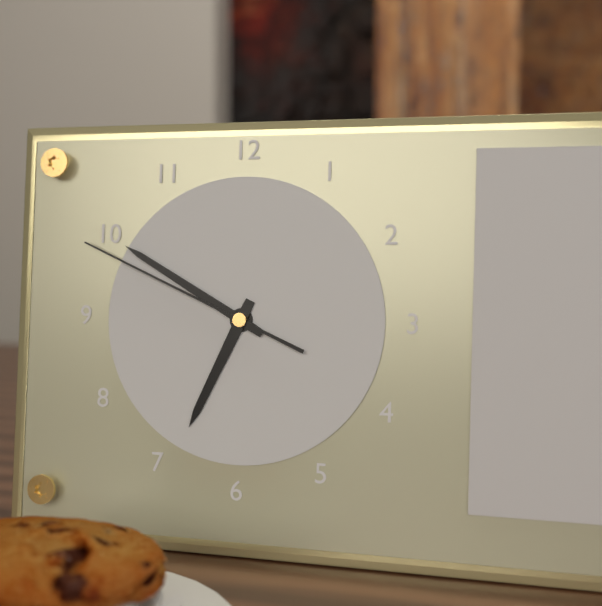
6:50:49
